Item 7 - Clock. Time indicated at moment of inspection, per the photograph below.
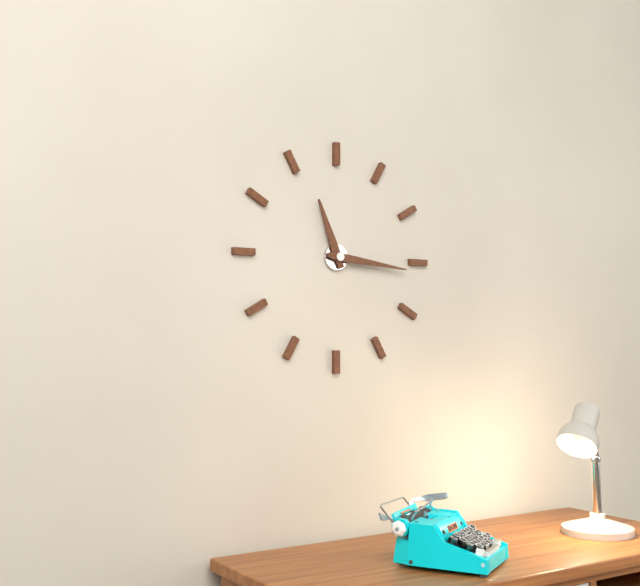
11:16
